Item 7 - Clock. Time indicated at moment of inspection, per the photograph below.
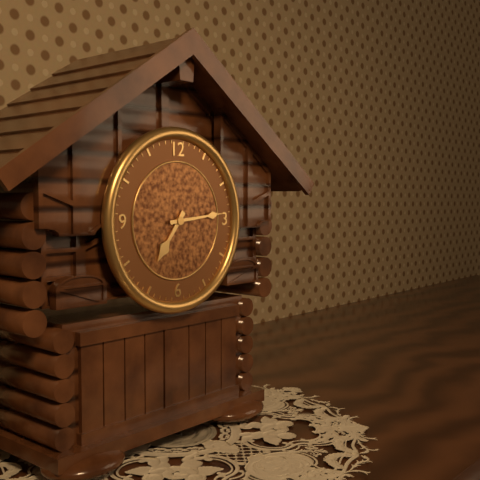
7:14
